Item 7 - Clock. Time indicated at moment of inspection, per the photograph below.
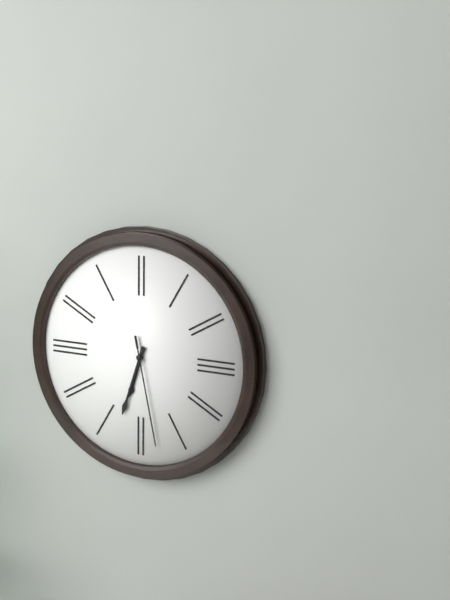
6:33:28
